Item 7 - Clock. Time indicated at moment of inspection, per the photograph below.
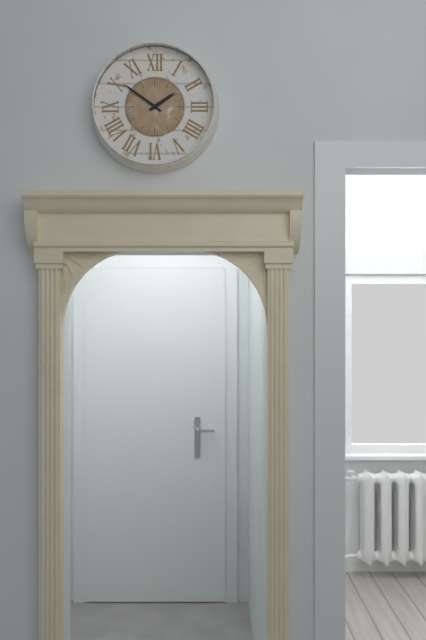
1:51
